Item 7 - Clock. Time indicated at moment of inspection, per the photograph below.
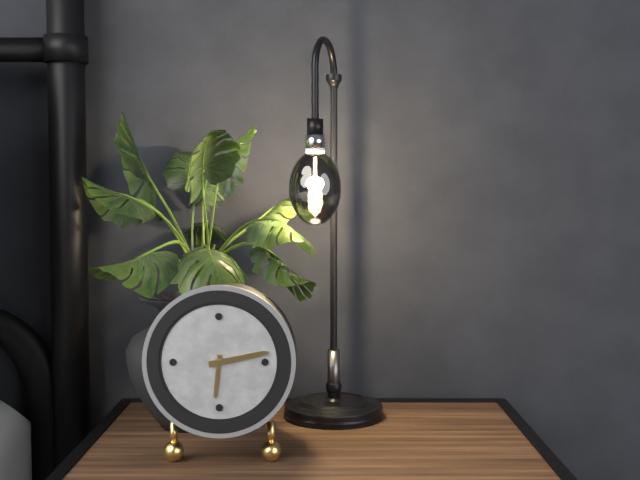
6:13
